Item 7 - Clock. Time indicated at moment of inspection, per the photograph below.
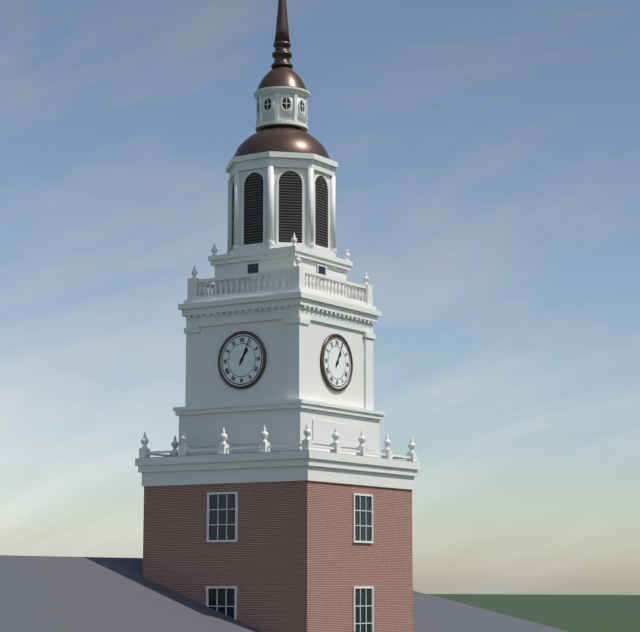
1:04
